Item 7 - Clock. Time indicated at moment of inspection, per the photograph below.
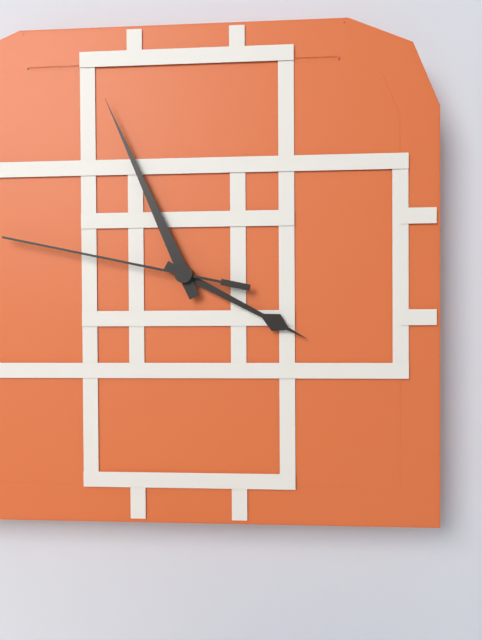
3:56:47
